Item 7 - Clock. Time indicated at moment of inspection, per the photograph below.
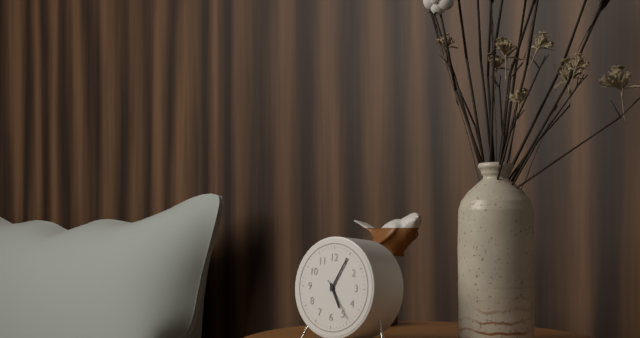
5:05
